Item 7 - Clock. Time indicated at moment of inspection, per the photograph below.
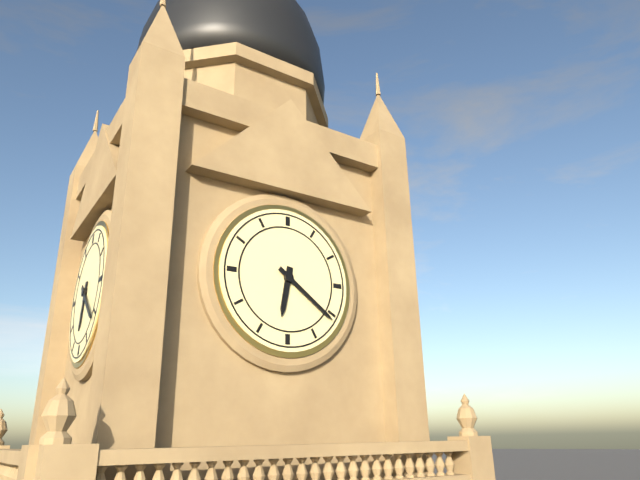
6:21
